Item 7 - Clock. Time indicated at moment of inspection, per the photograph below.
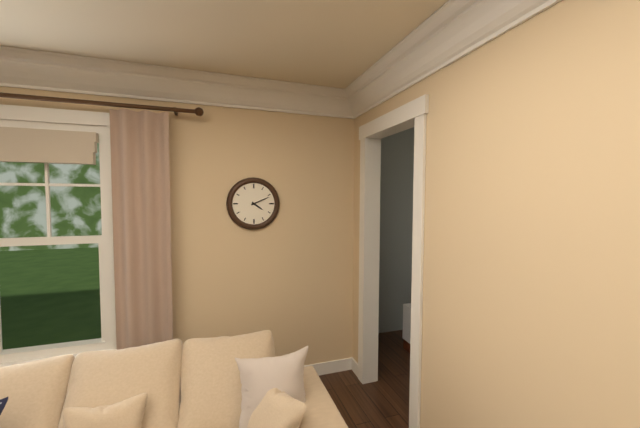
4:11
